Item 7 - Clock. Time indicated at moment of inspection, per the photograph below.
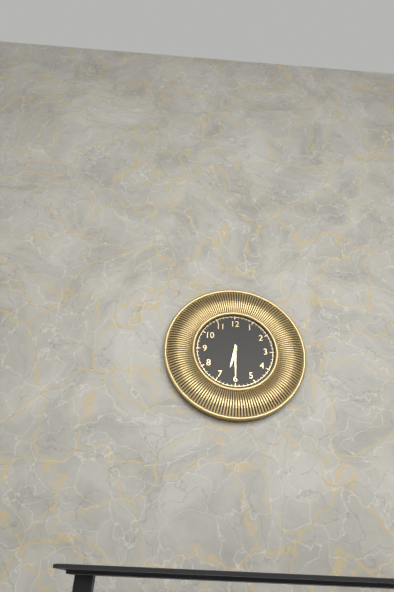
6:30
